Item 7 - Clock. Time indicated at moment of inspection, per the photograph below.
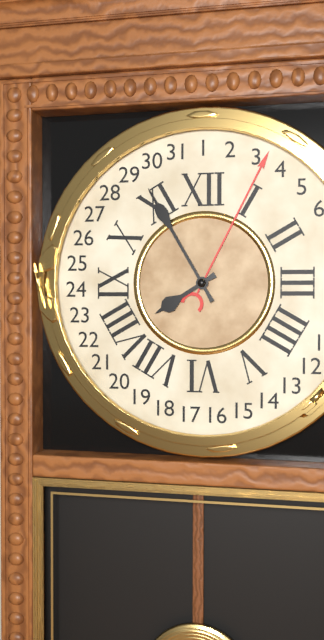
7:55
